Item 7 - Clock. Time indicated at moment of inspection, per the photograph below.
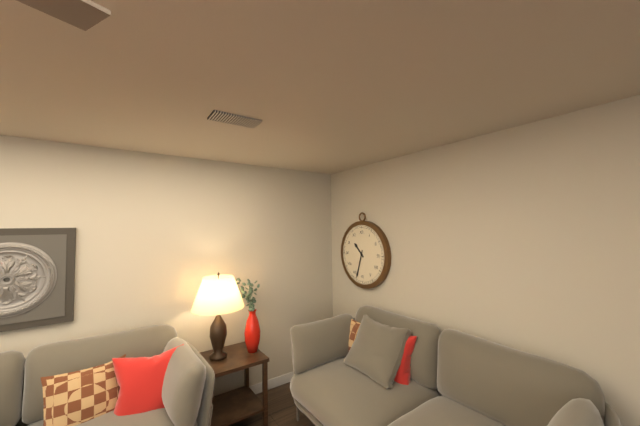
10:33
